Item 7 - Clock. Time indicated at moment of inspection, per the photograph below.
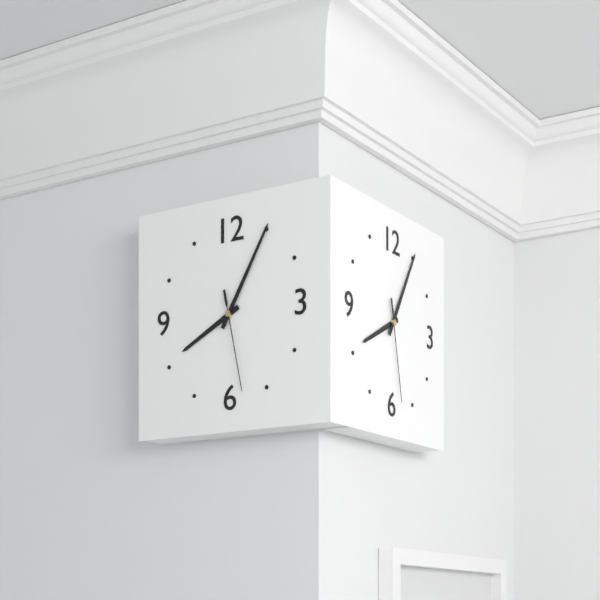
8:05:28
